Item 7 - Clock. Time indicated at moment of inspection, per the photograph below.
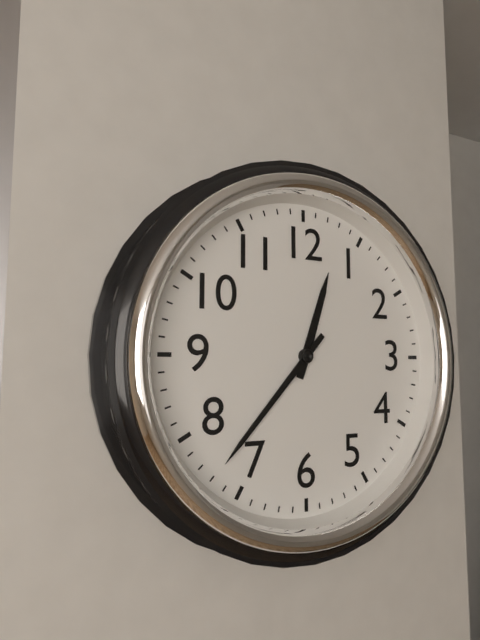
12:37
